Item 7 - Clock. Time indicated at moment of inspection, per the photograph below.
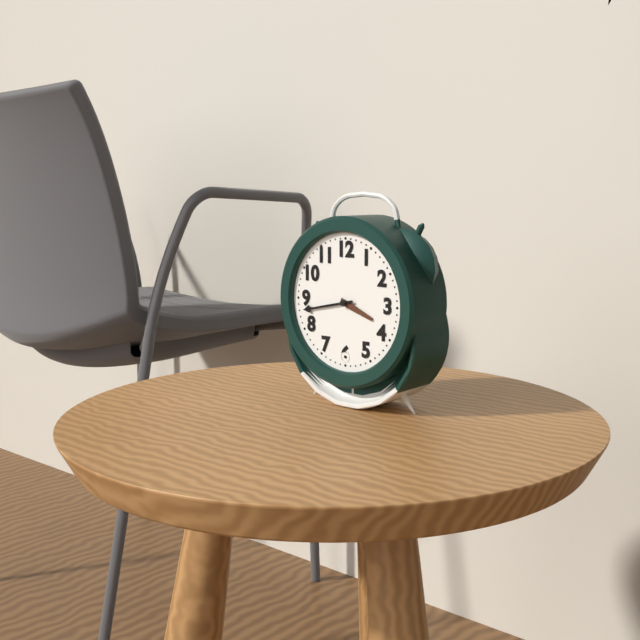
3:43:43
